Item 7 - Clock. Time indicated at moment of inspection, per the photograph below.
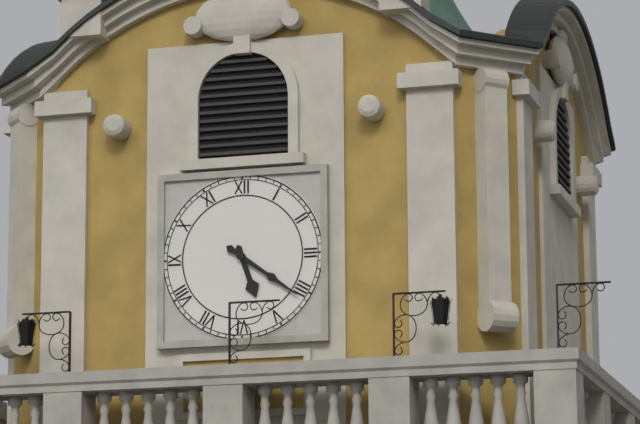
5:21
